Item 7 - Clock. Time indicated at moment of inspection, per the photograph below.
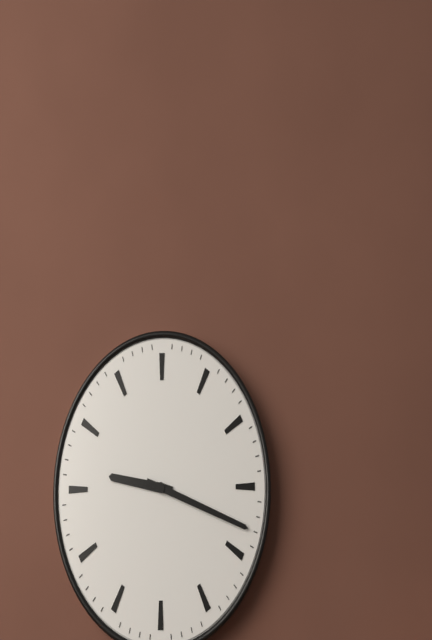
9:18
